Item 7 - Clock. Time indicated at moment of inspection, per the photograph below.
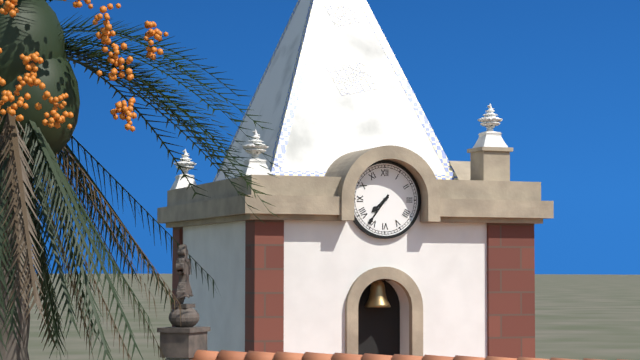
7:36
